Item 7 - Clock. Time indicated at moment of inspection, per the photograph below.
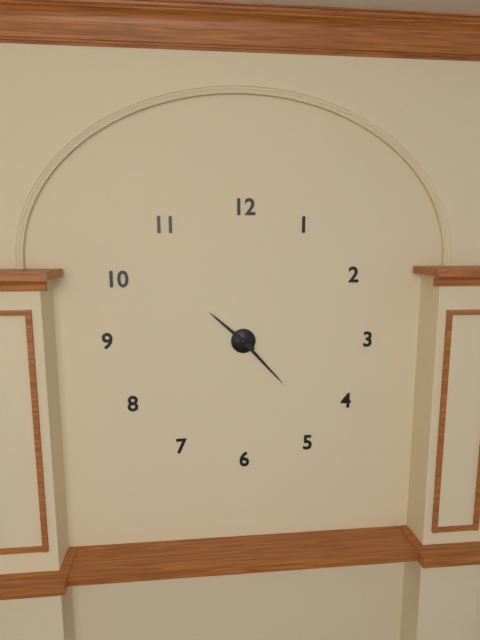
10:23
